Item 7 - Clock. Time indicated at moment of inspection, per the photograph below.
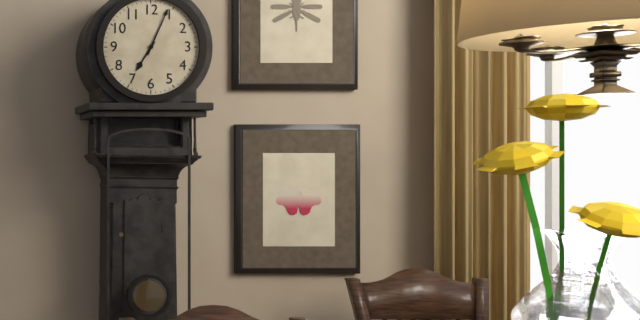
7:04
